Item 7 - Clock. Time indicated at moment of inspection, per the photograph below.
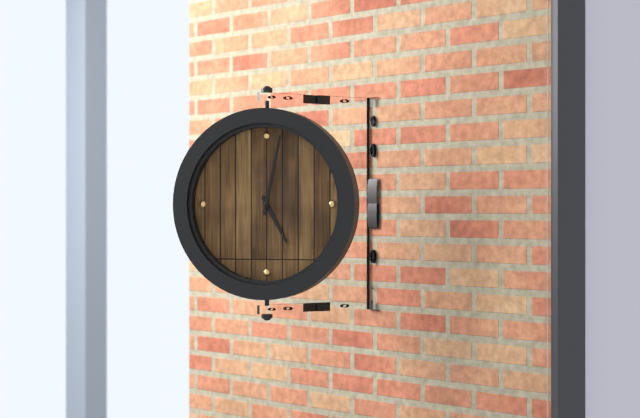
5:02
